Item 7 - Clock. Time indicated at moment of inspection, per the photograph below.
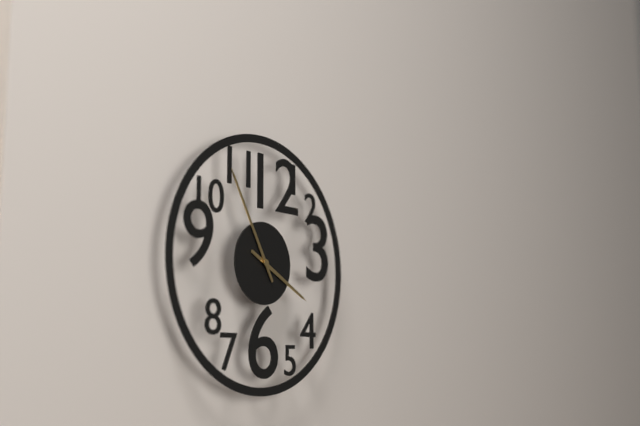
3:55
